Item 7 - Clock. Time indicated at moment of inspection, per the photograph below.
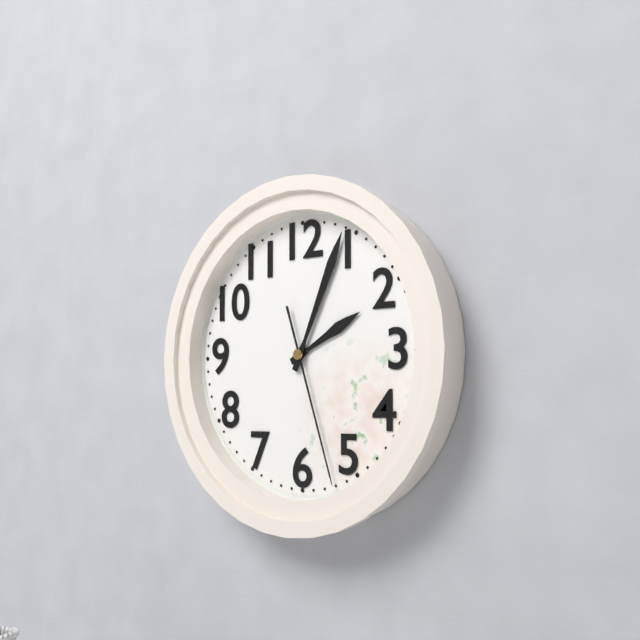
2:04:27
